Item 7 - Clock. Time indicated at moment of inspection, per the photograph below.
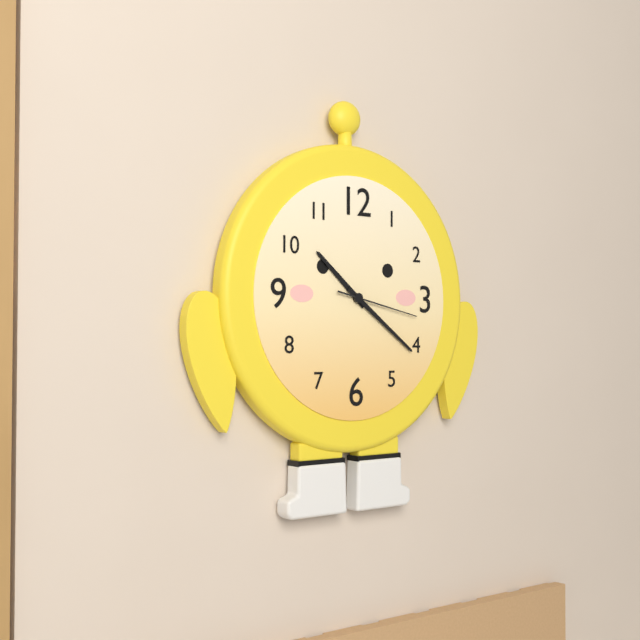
10:21:17
